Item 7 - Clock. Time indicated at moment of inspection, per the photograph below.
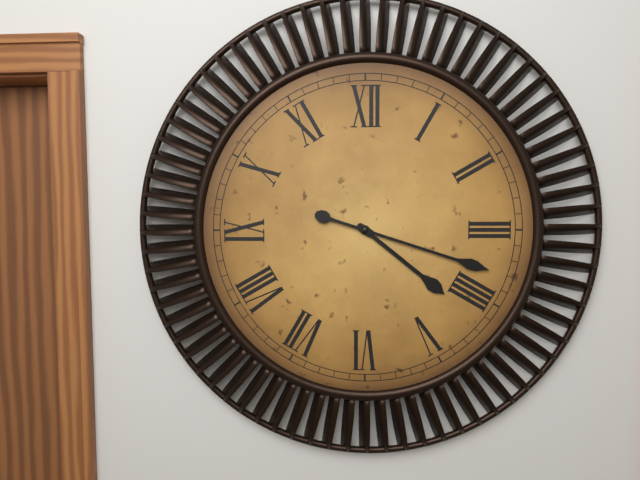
4:18
